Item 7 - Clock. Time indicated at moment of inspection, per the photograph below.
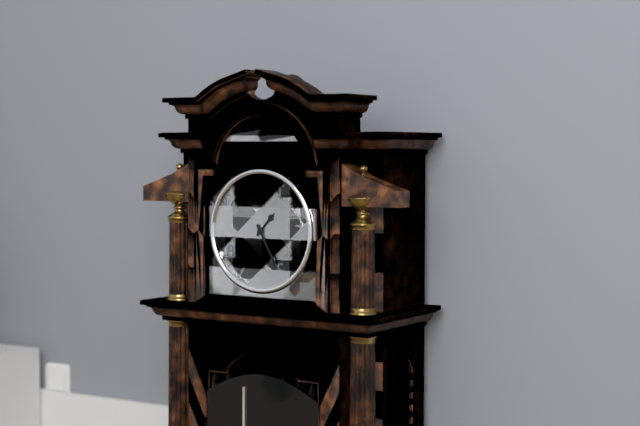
1:25
